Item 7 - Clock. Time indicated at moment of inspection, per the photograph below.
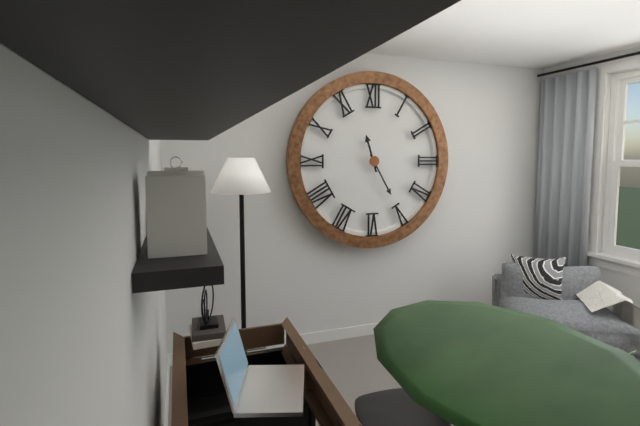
11:25
